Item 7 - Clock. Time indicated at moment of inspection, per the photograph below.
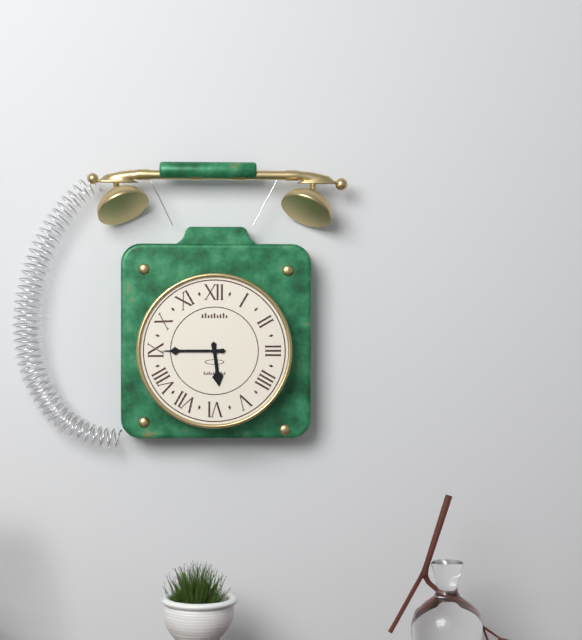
5:45
